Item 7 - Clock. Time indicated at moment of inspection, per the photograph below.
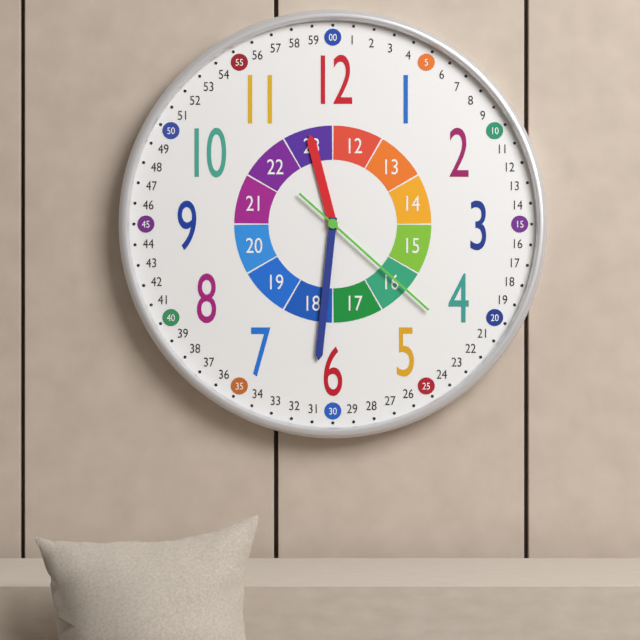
11:31:22
